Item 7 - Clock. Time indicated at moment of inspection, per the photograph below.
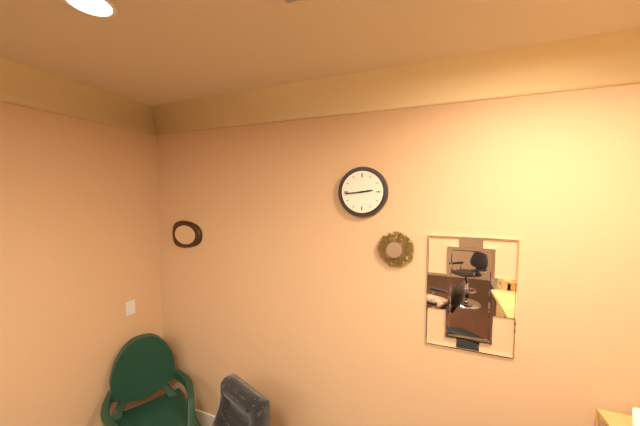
2:44
